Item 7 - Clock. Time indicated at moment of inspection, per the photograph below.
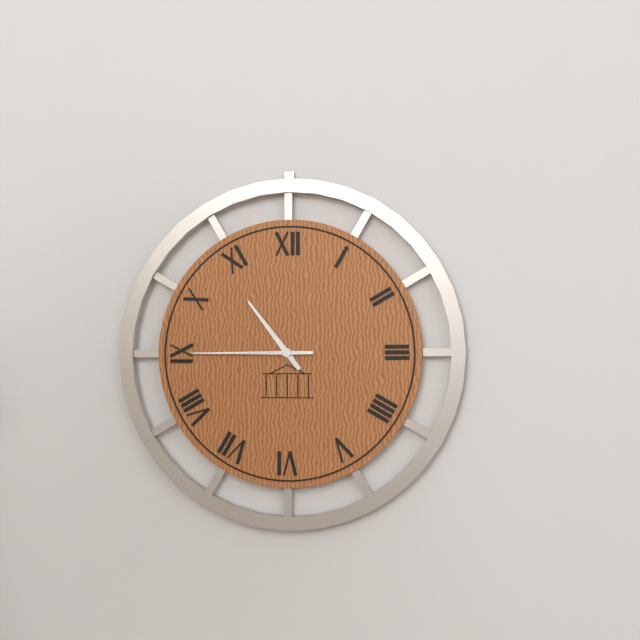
10:45
